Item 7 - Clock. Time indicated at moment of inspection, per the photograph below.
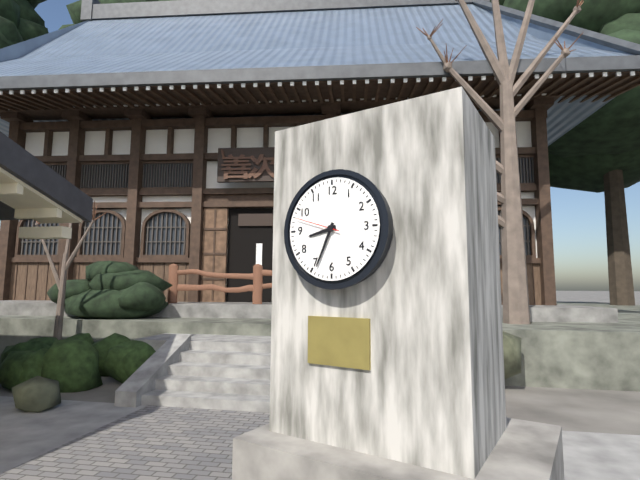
8:34:48
